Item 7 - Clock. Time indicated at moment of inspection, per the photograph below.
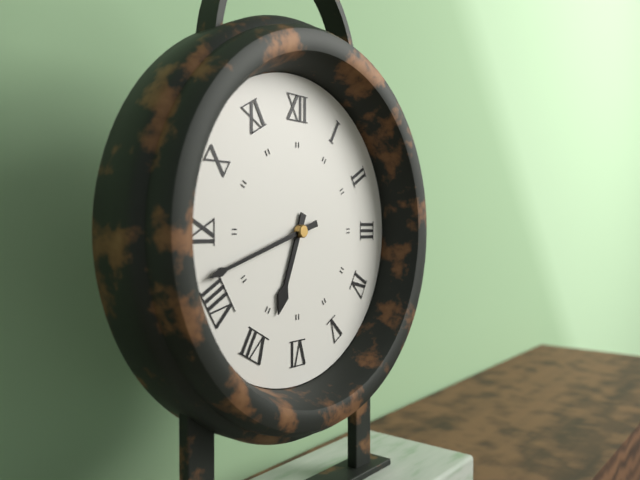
6:42
